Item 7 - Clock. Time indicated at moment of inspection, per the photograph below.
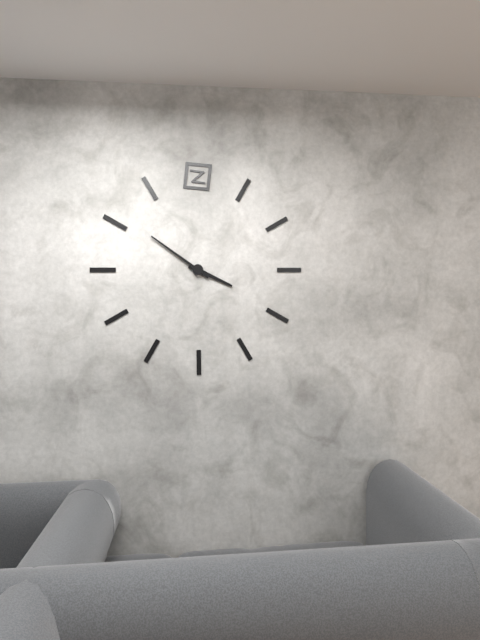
3:51
